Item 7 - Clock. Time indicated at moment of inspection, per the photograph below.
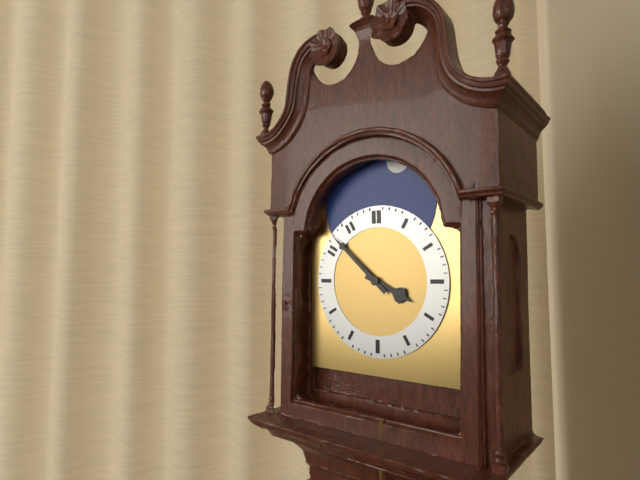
3:52
